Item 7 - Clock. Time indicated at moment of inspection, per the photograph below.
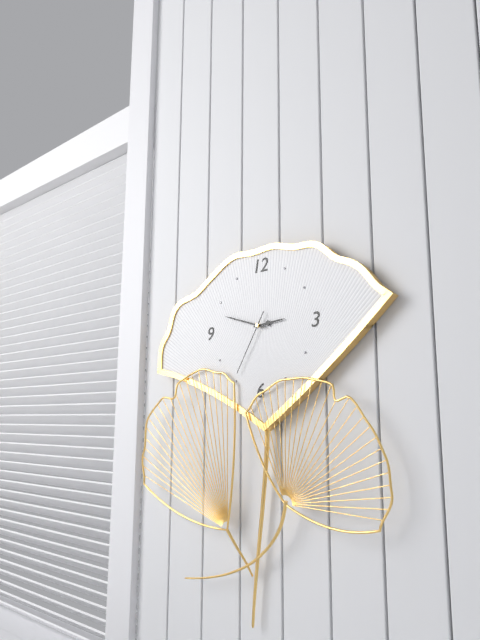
2:48:35
